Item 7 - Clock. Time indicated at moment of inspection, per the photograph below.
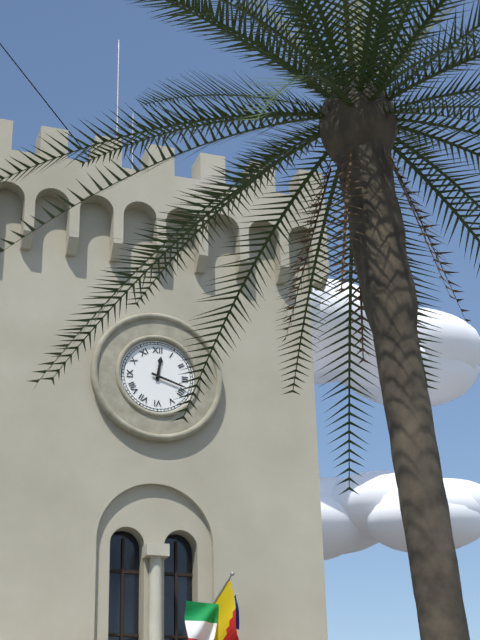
12:18
